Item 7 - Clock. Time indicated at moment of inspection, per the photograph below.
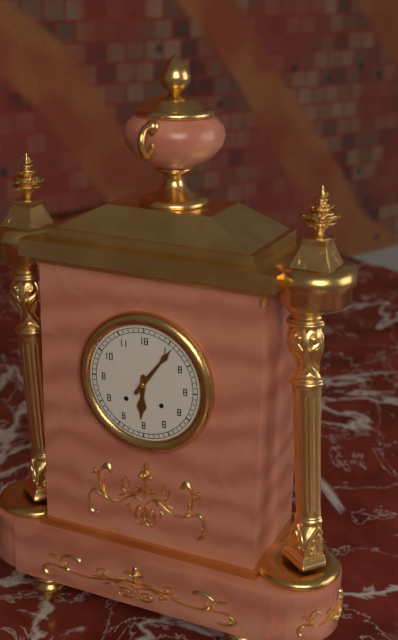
6:06
